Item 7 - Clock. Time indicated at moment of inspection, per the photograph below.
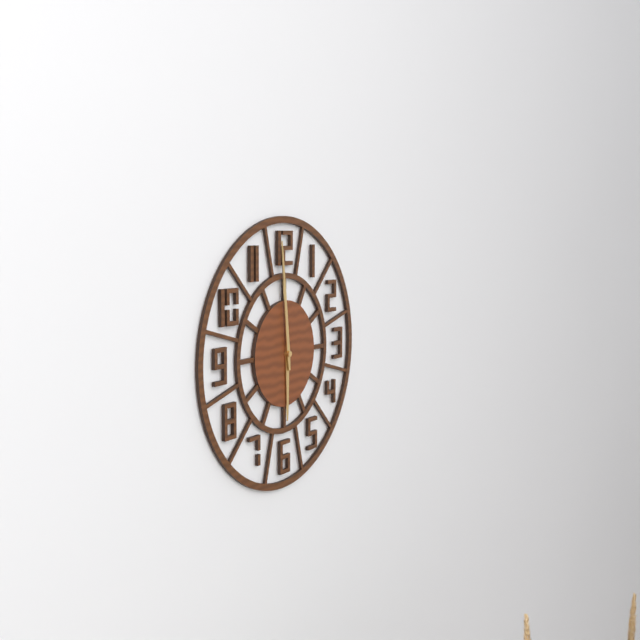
5:59
